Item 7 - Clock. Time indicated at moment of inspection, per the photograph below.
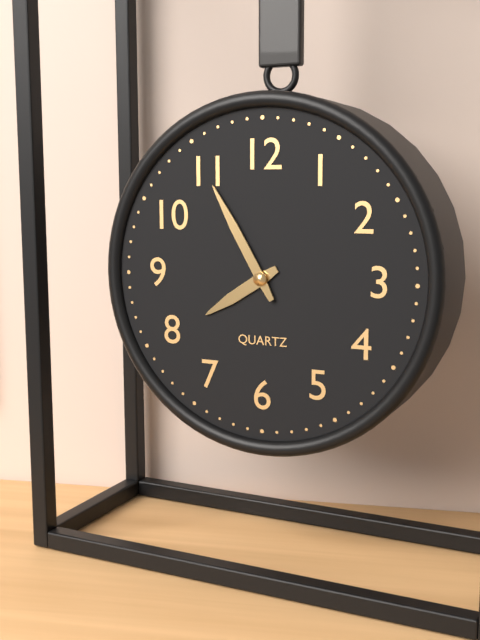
7:55
